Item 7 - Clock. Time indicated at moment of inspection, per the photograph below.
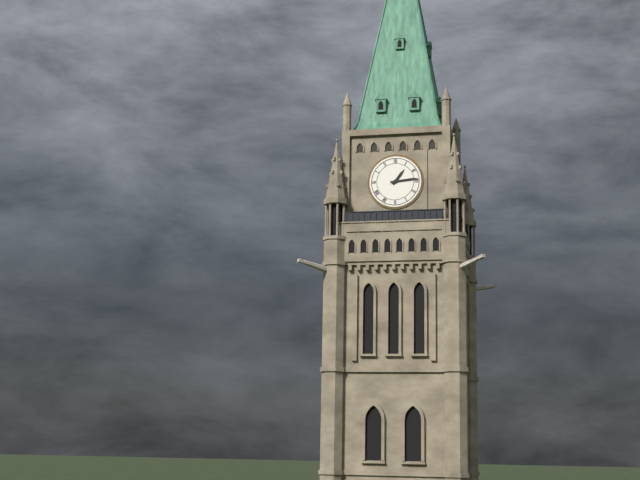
1:14
